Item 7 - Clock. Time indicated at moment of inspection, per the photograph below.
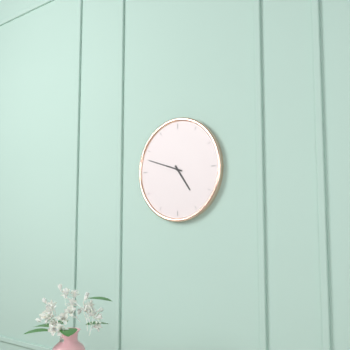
4:48
